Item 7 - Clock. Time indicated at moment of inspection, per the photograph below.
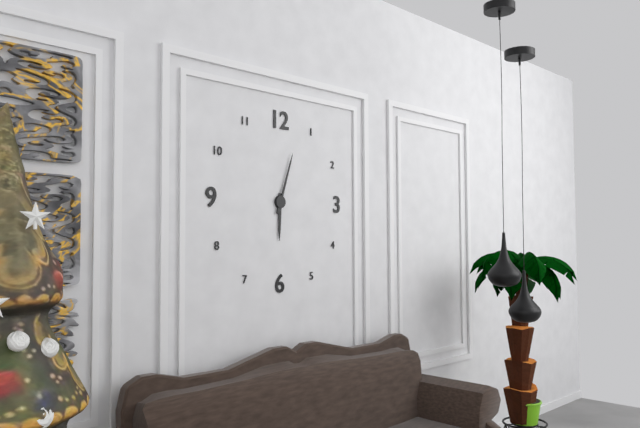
6:03
